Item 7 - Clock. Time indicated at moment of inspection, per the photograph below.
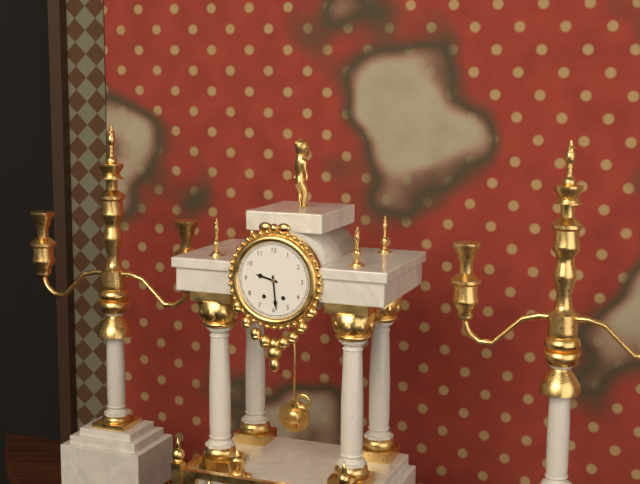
9:29
